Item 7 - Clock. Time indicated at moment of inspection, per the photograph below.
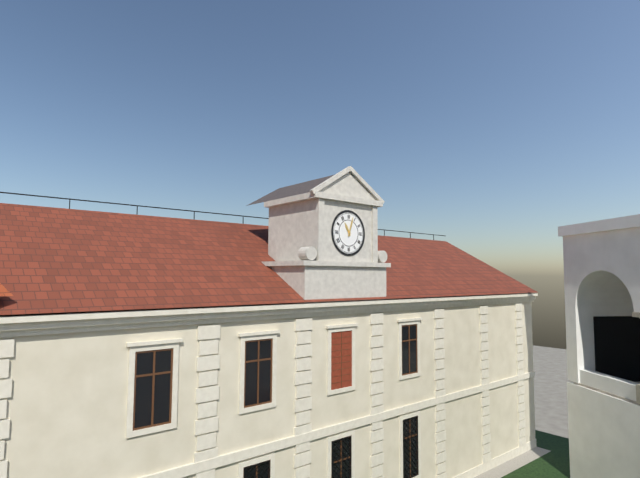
11:03
